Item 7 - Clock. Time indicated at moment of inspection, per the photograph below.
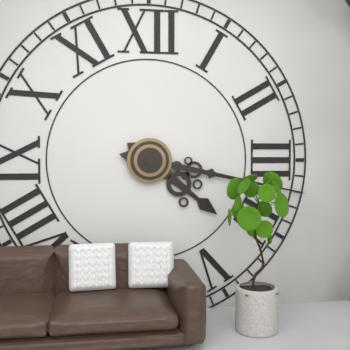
4:17
